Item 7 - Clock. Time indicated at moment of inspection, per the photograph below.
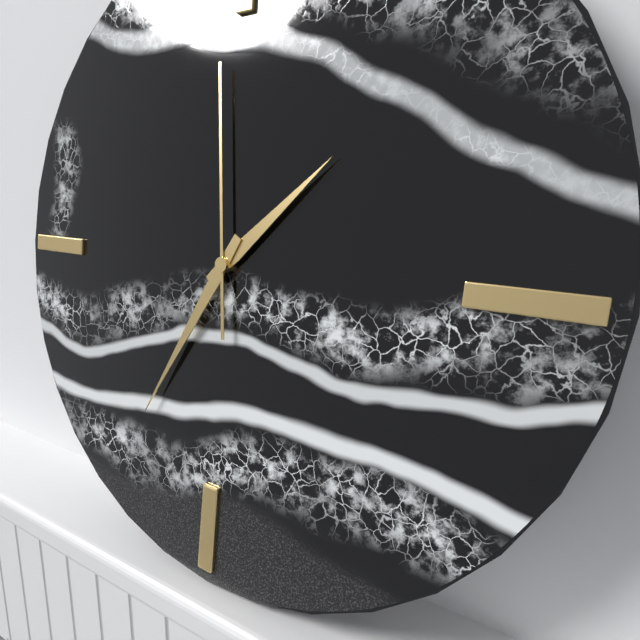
1:35:59
